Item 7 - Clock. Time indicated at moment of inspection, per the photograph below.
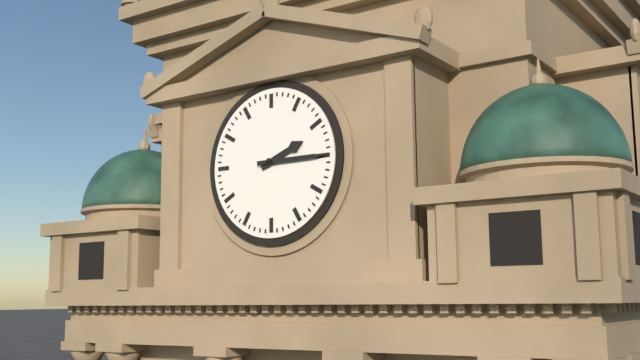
2:15
